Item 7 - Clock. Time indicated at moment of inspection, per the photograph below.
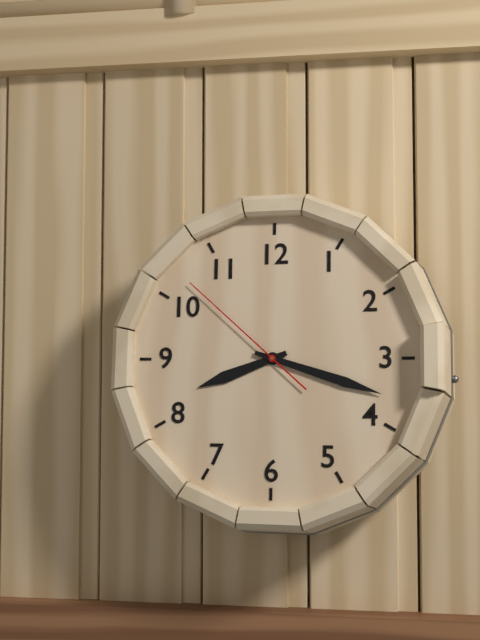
8:18:52
